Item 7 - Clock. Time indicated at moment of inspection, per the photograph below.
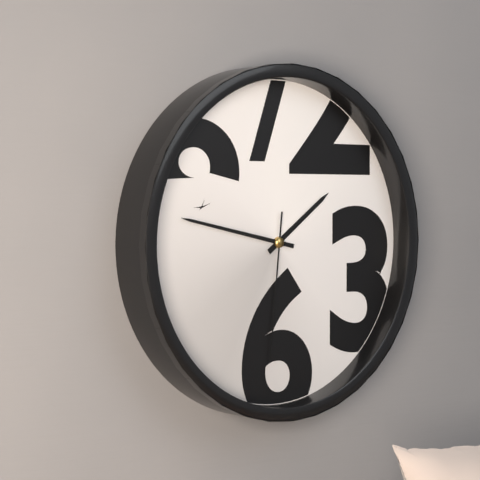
1:47:31
